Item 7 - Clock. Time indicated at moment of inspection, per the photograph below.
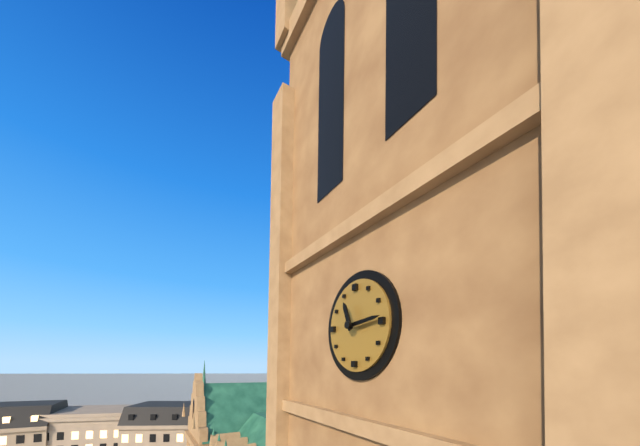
11:14
